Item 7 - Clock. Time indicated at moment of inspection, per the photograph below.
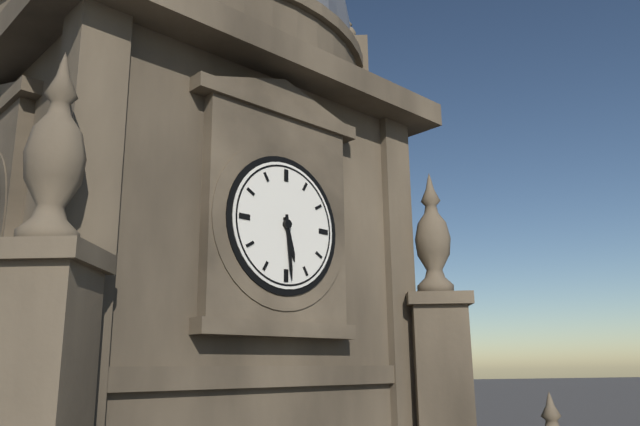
5:29
